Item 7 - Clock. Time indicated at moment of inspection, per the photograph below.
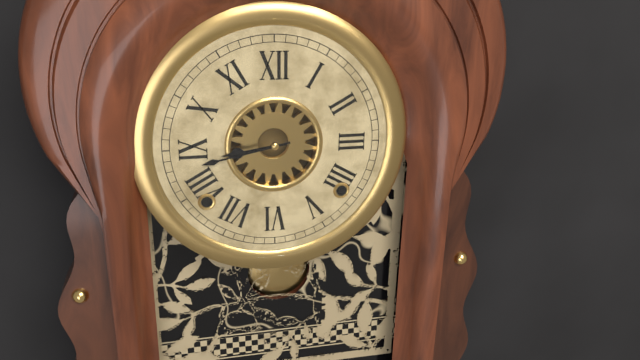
8:43
